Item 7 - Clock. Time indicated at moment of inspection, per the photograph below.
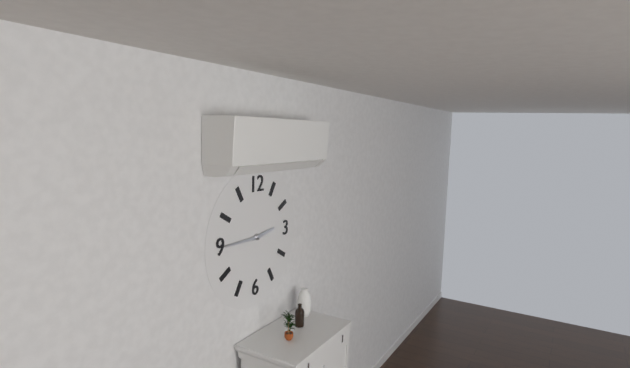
2:45
